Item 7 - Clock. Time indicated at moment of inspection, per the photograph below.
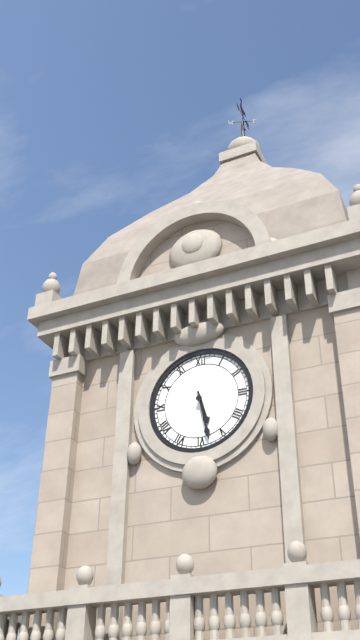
5:28
